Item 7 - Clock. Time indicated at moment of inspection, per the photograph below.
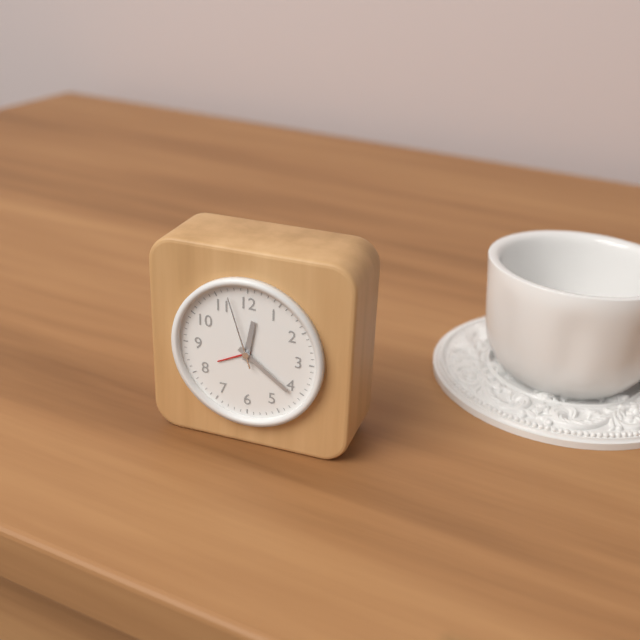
12:21:57
